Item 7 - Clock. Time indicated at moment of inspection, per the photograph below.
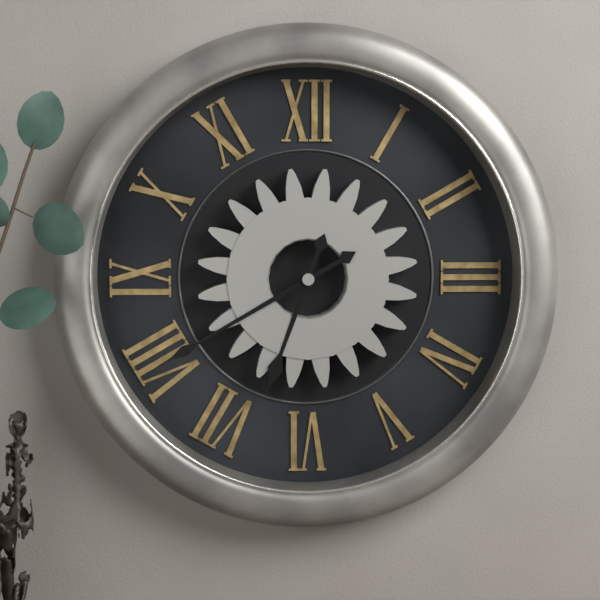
6:40
